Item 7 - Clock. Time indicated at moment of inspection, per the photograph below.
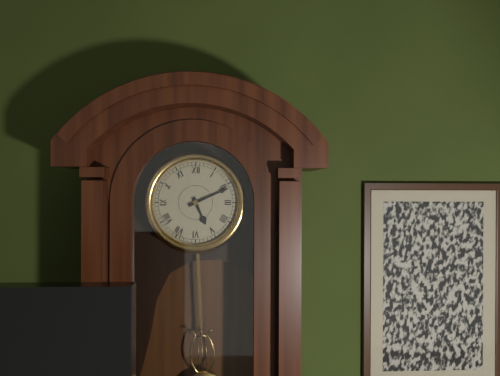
5:11
